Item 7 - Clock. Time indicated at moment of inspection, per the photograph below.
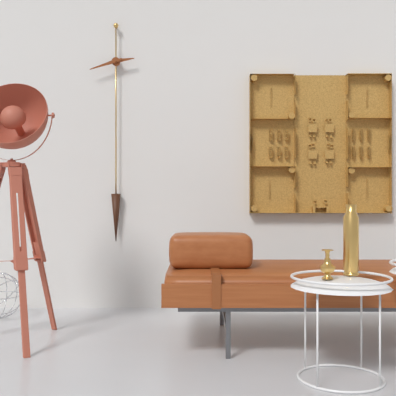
2:42
